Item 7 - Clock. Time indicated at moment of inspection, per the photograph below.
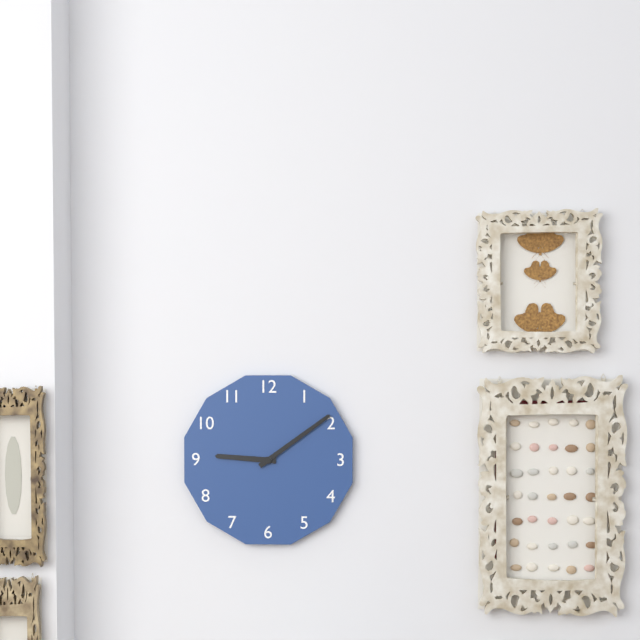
9:09
